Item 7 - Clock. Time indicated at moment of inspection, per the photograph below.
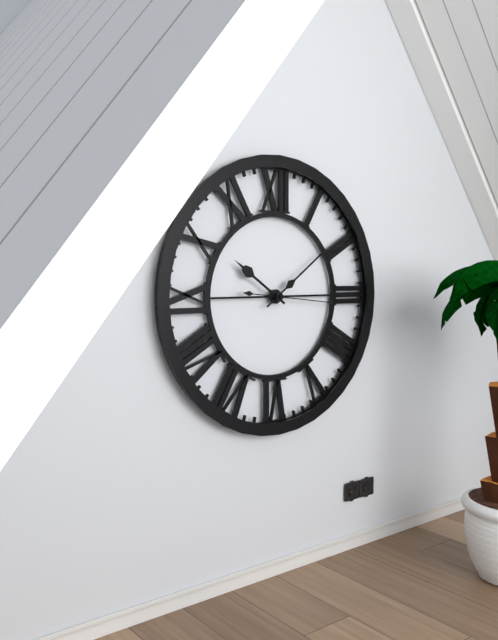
10:09:16
